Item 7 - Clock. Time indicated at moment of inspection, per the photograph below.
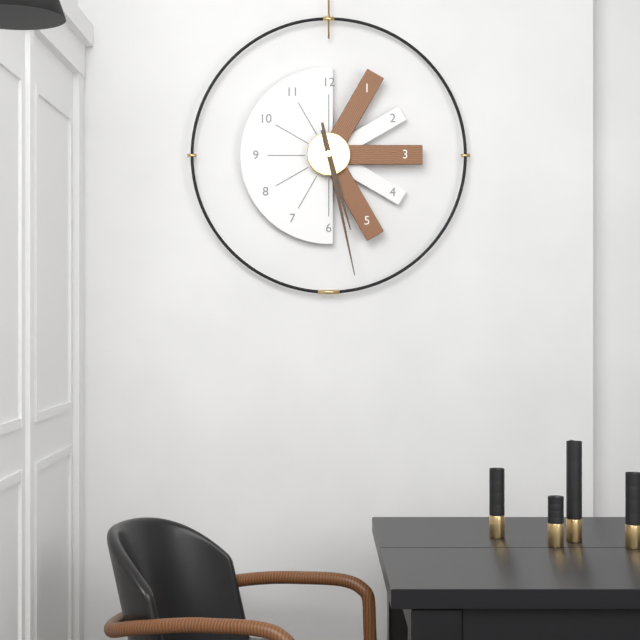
5:28
